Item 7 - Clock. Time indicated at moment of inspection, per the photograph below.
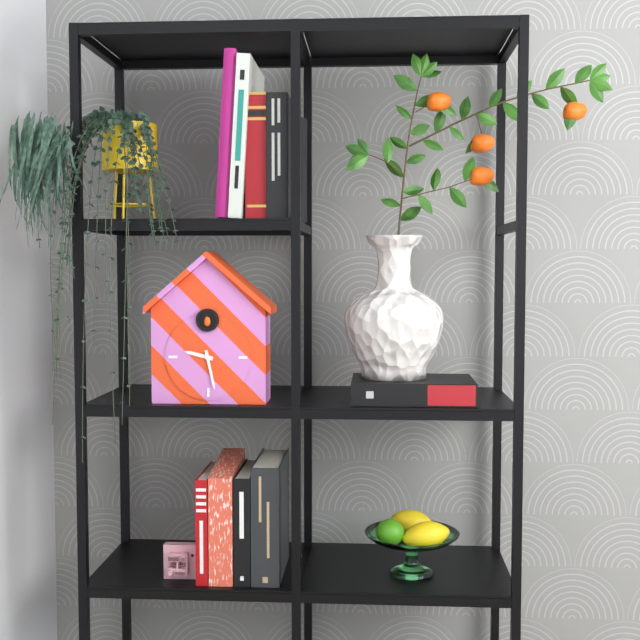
9:28
